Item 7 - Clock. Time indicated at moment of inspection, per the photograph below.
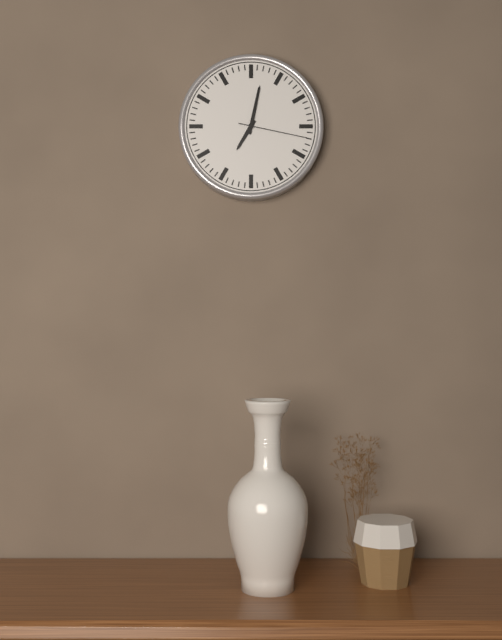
7:02:17
